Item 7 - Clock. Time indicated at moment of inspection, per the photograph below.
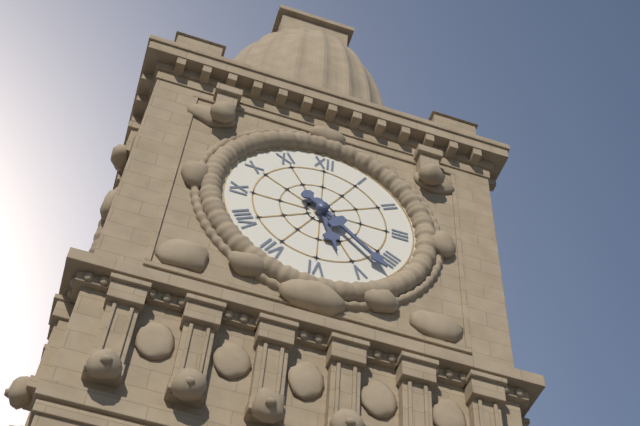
5:22
